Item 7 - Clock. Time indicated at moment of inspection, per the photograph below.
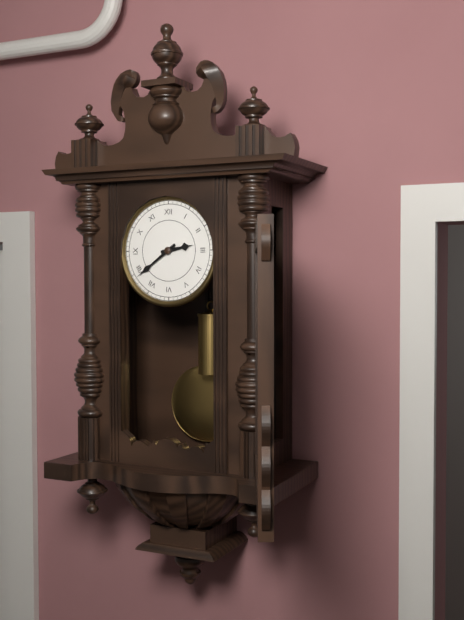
2:39
